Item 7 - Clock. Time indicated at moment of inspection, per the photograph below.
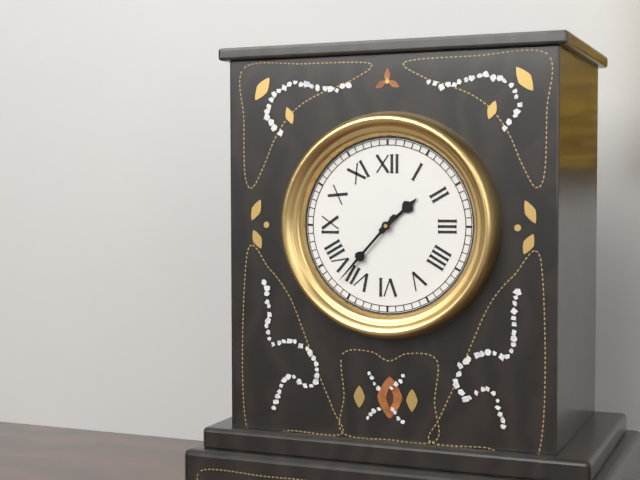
1:37
